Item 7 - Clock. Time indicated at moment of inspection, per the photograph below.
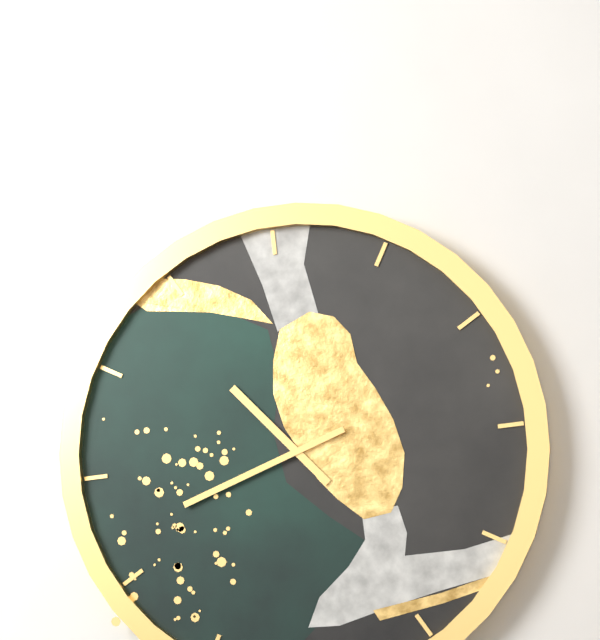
10:42
